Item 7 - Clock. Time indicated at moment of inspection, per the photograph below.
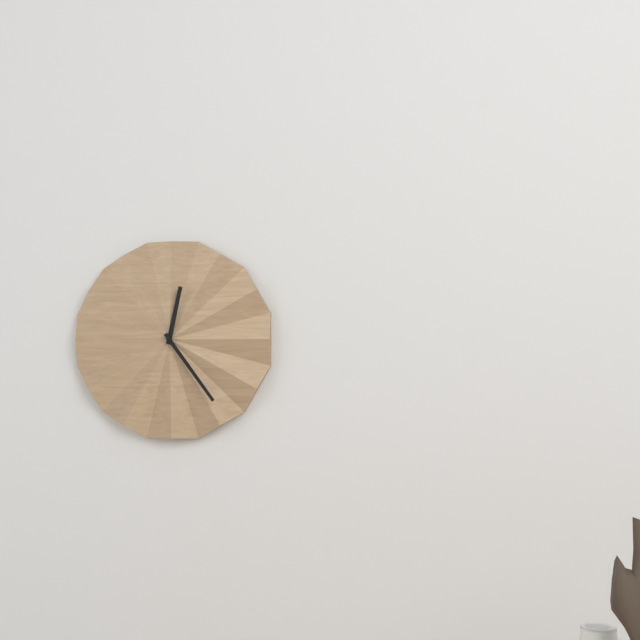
12:24
